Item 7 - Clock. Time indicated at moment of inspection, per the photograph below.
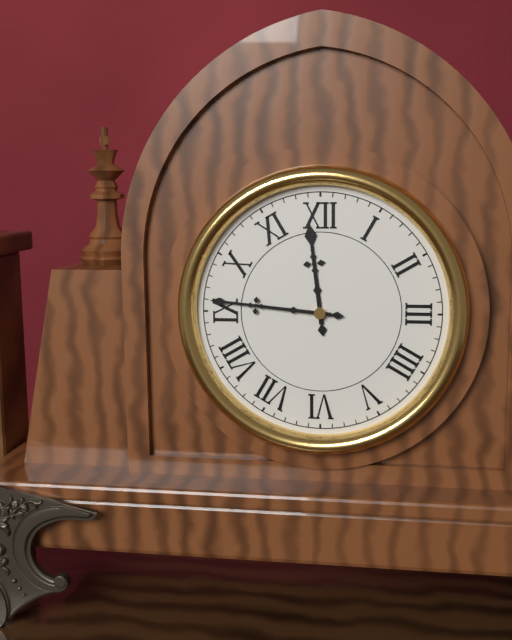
11:46
